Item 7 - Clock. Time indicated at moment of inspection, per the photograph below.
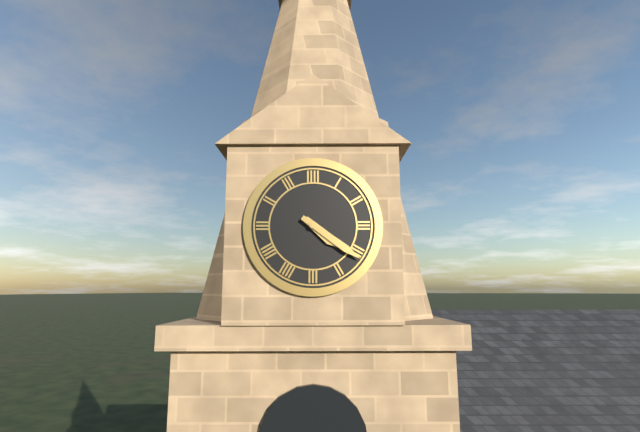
4:21
